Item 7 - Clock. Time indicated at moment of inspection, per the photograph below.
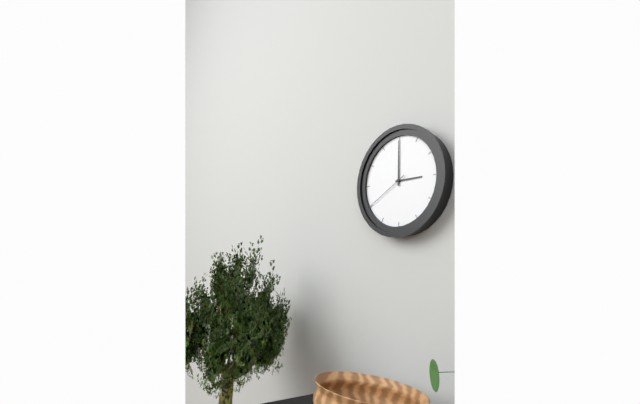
3:00
